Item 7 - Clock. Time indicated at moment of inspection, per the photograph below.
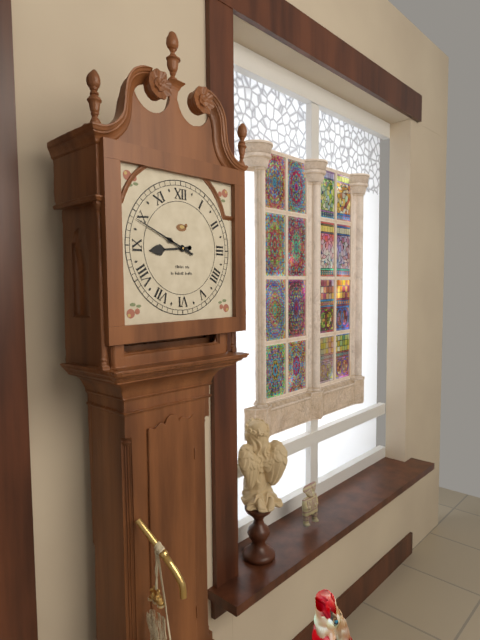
8:49
